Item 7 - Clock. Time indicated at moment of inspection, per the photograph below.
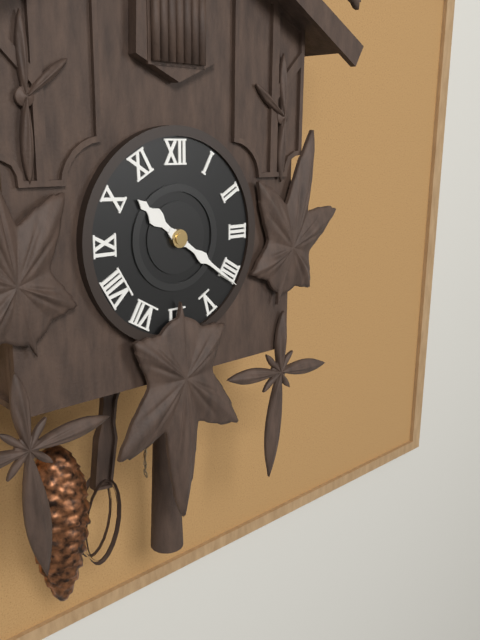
10:21
